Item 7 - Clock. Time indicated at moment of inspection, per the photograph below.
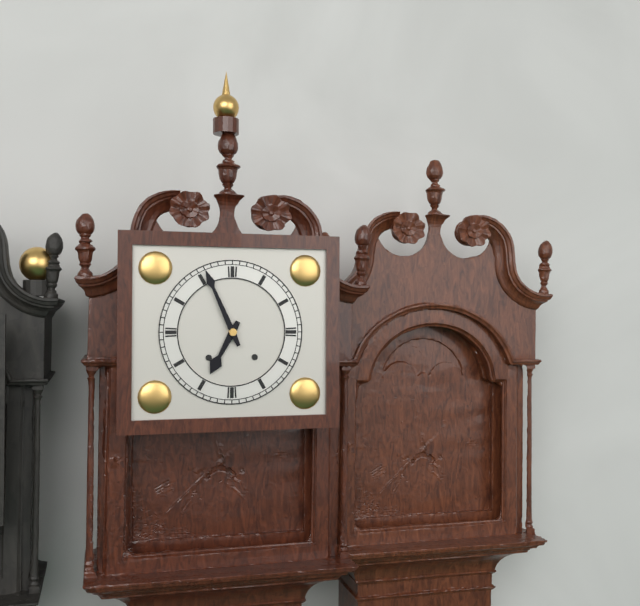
6:56
